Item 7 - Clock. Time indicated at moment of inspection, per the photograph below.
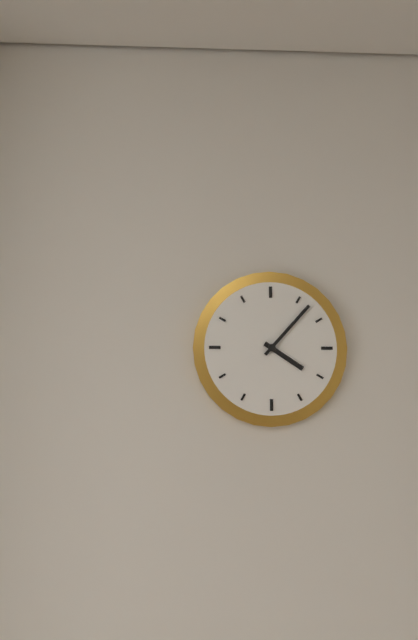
4:07
